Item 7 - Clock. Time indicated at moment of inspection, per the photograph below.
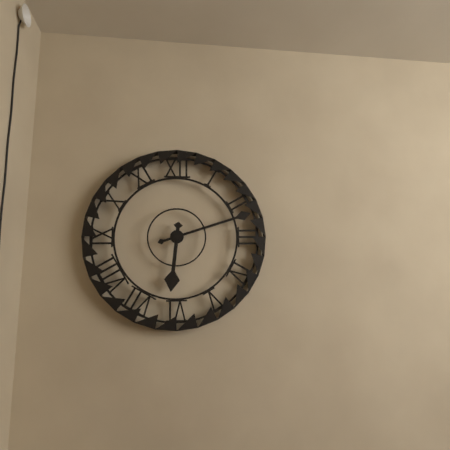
6:12
